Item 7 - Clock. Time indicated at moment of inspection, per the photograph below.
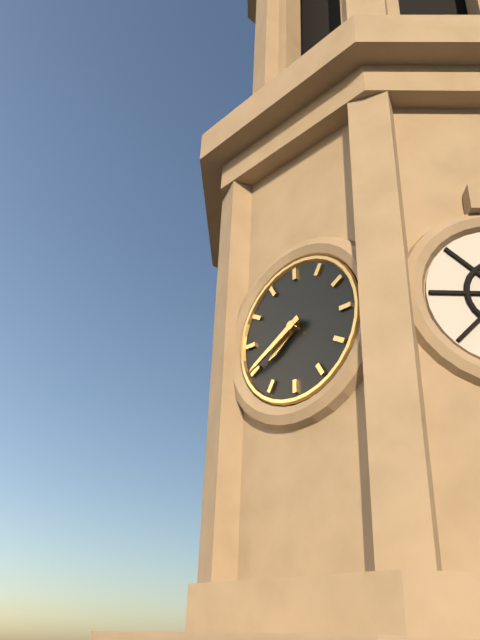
7:40
